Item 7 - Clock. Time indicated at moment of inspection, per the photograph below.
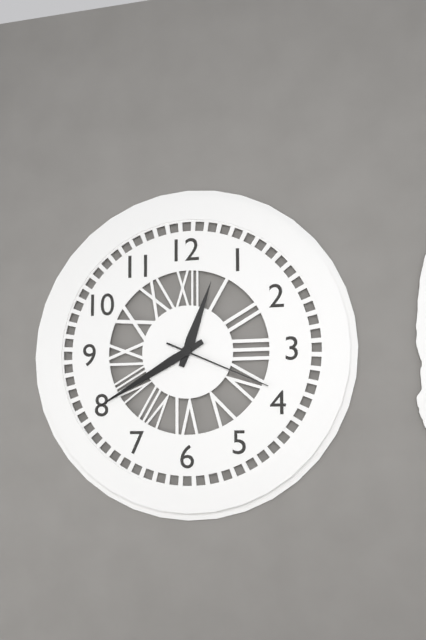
12:40:19
